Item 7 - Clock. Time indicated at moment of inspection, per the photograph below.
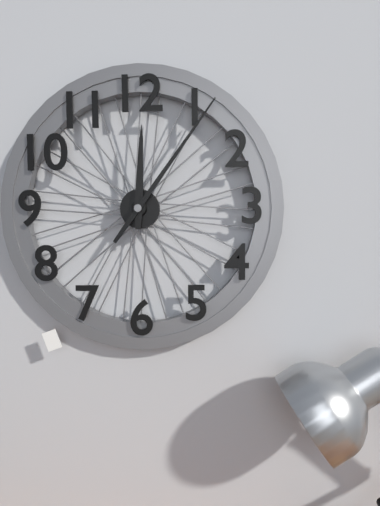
12:06
